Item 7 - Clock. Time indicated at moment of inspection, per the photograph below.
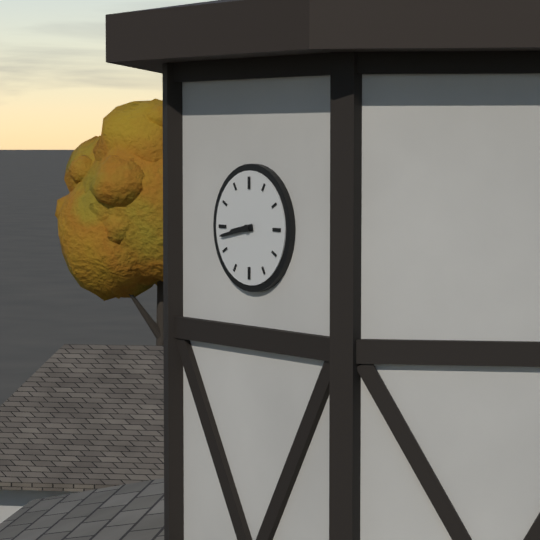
8:43
